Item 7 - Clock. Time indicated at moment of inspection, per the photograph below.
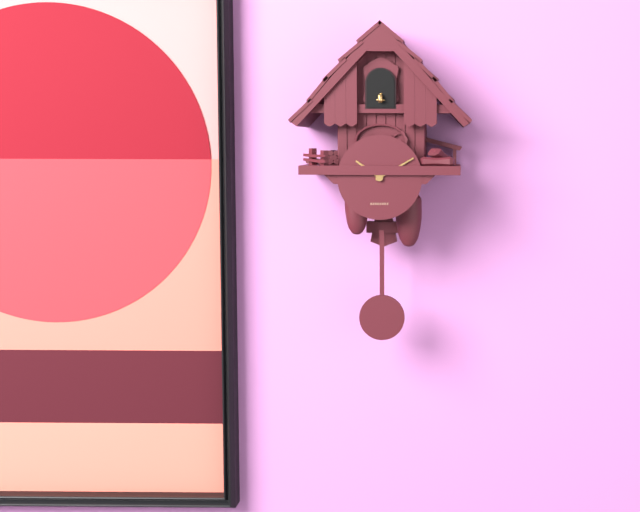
10:10
